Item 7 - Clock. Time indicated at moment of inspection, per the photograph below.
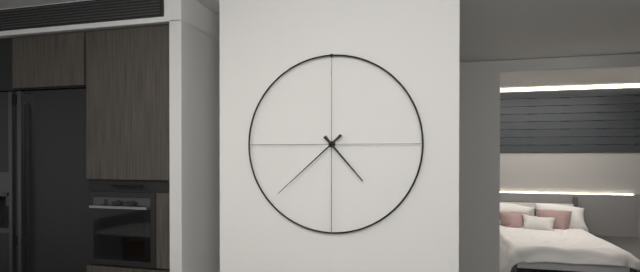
4:38
